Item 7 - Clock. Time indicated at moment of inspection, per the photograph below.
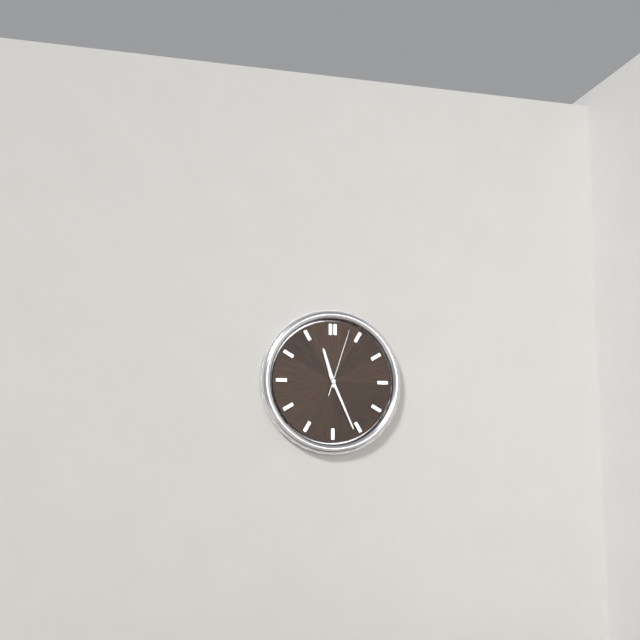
11:26:03
